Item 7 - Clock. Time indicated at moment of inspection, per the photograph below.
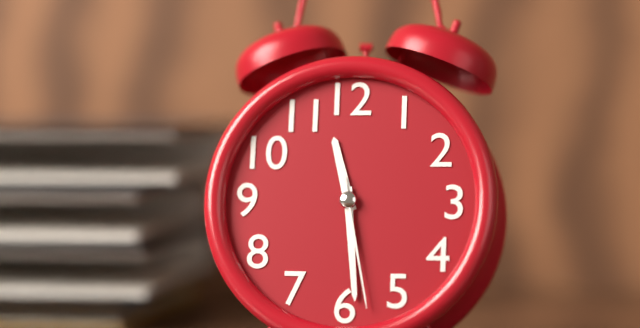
11:29:28
